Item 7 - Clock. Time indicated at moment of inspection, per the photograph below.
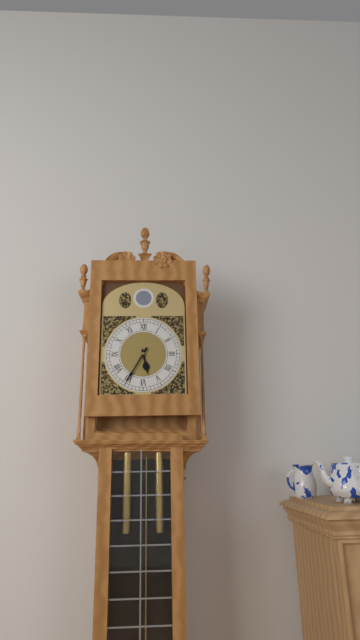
5:35
